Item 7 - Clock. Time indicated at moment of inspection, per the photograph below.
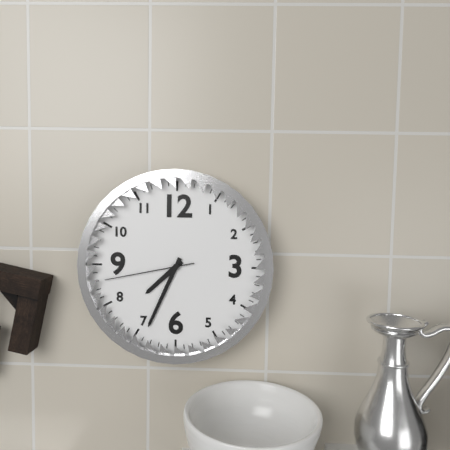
7:34:43
